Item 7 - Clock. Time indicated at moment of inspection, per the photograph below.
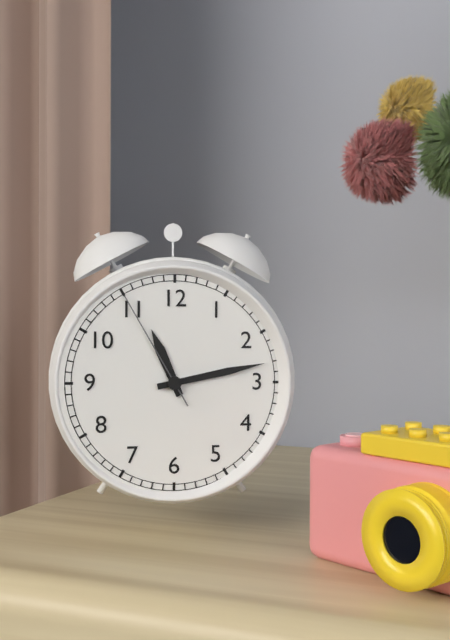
11:13:55
